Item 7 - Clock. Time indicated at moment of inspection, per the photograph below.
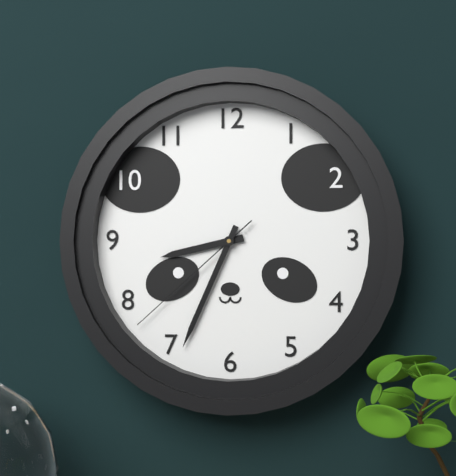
8:34:38
